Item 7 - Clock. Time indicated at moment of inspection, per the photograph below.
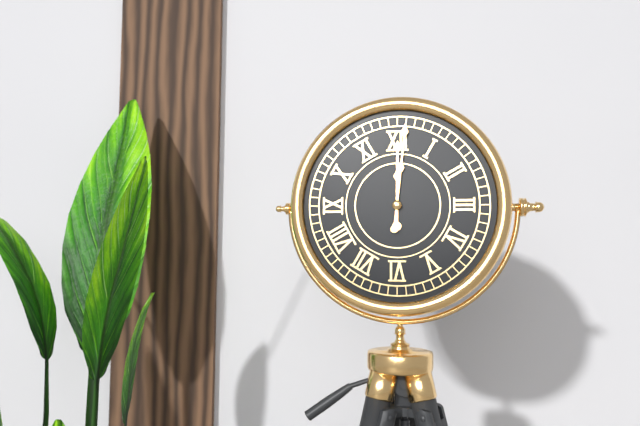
12:01
